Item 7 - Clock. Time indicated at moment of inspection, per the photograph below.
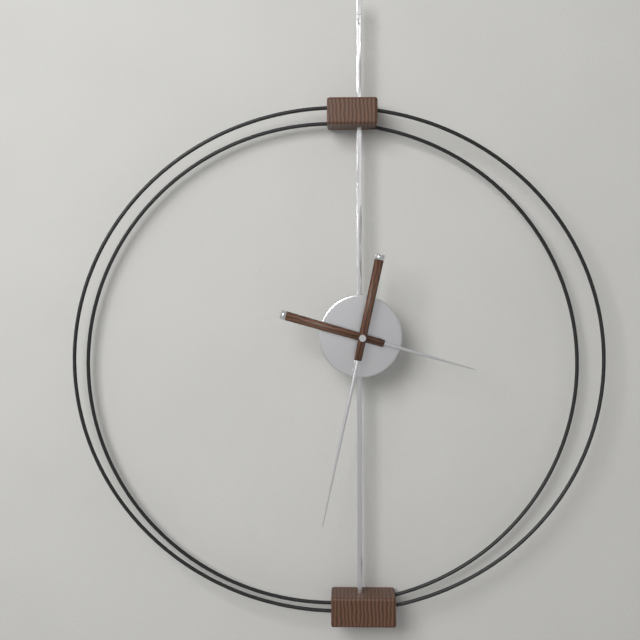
3:32
